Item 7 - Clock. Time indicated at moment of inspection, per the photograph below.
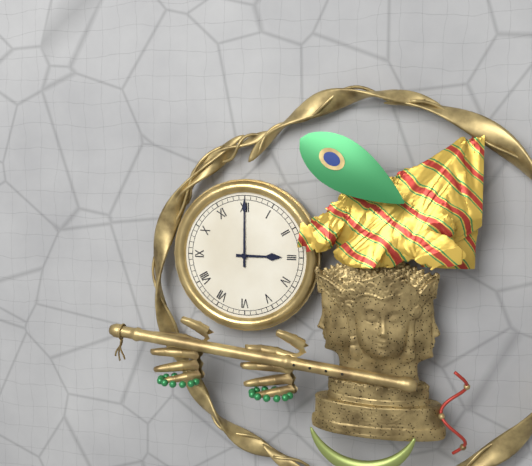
3:00
